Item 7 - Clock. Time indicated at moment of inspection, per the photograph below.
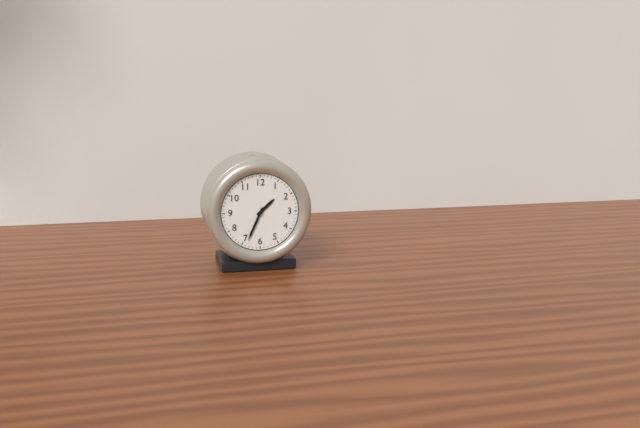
1:34
